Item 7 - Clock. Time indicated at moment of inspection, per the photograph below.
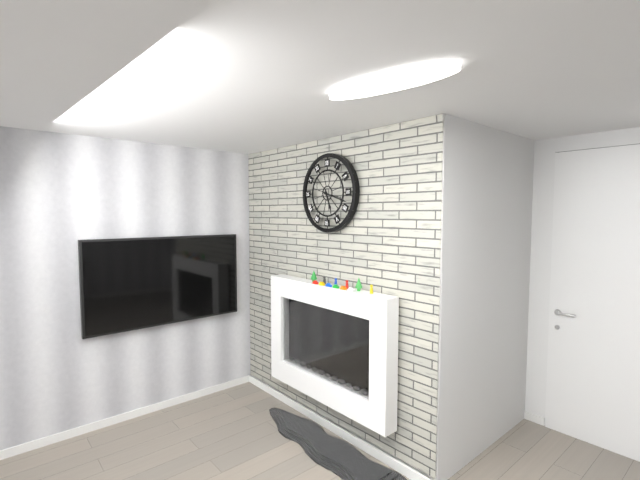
5:18
